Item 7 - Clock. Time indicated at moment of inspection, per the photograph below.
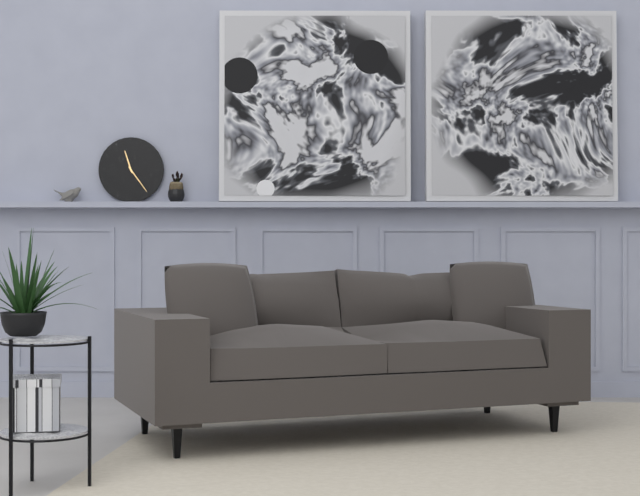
11:24
